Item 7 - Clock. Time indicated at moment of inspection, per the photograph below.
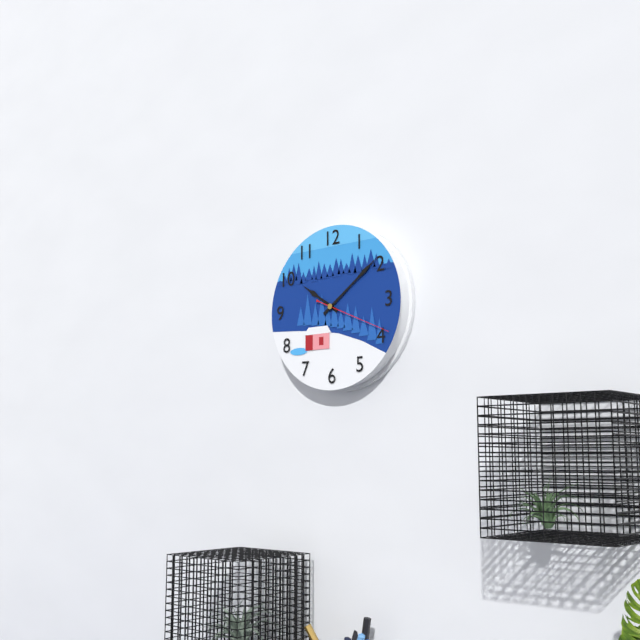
10:09:19
